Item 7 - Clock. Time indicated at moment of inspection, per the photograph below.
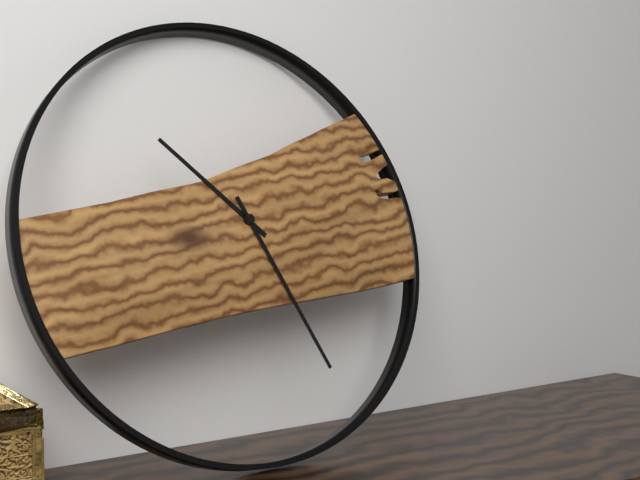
10:26
